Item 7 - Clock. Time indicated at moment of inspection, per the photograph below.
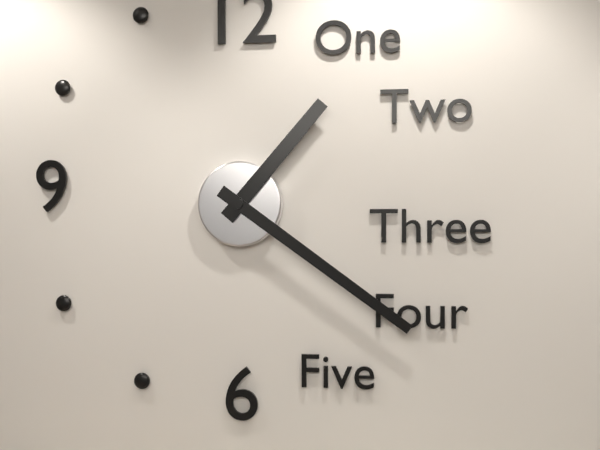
1:21
